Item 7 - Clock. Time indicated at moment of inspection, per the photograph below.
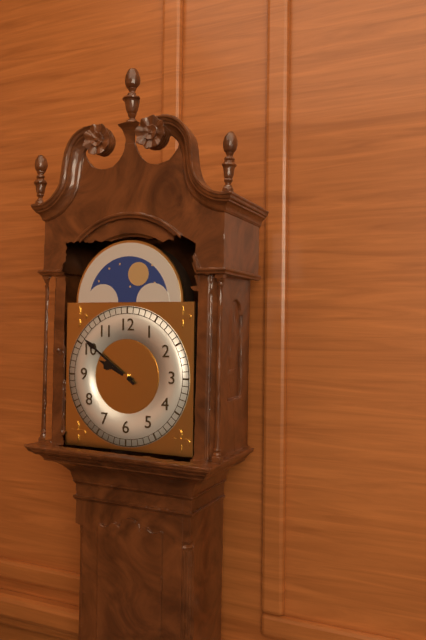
9:51
